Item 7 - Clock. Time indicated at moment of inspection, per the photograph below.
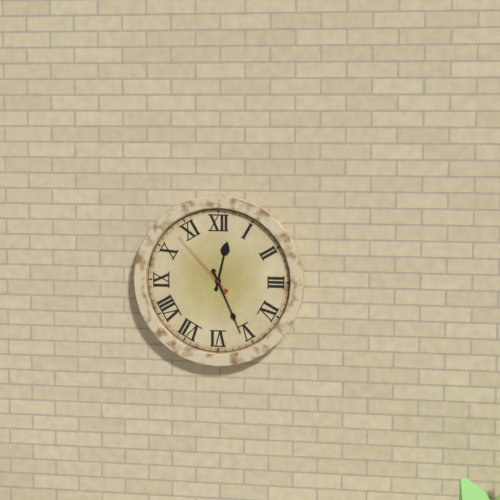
12:26:53
